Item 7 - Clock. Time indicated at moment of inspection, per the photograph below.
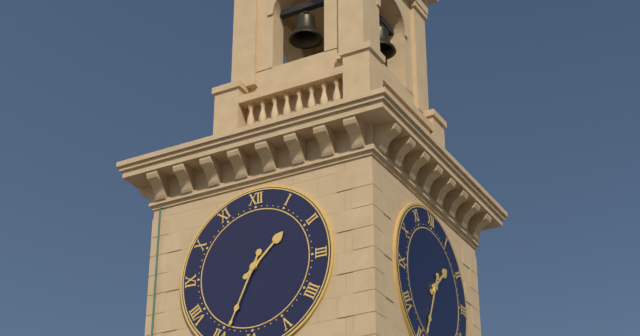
1:34
